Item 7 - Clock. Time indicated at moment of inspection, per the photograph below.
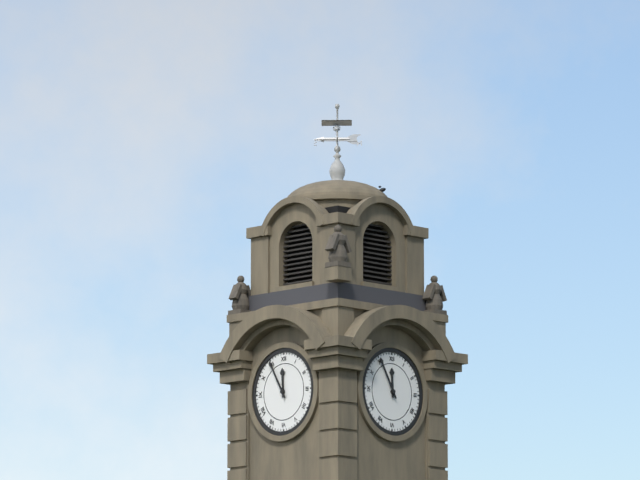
11:55
